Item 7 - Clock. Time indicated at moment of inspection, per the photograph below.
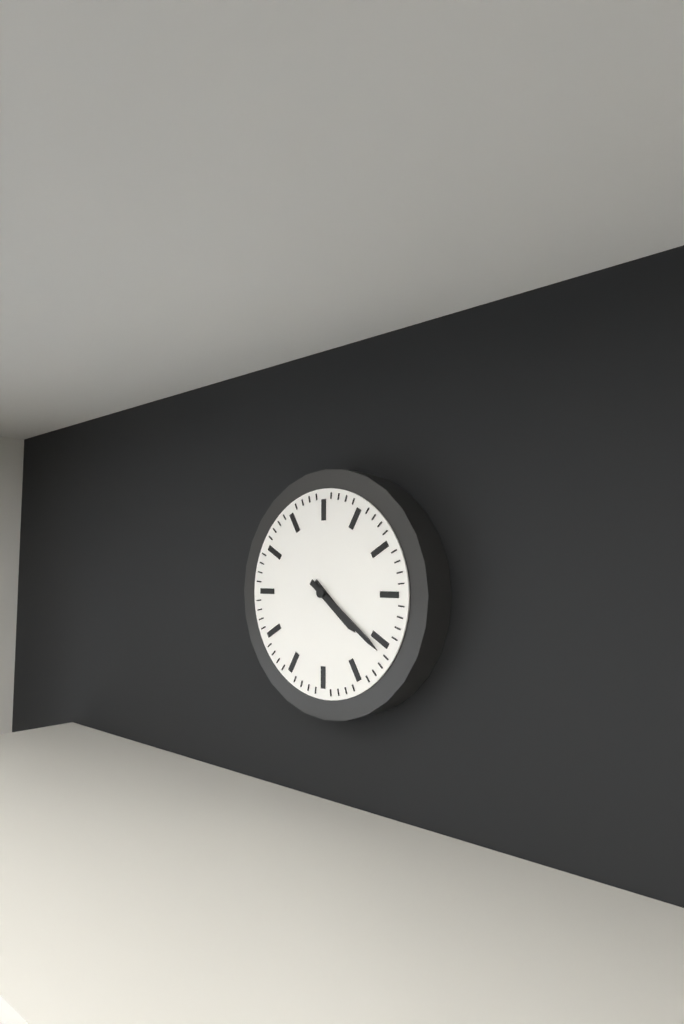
4:21
